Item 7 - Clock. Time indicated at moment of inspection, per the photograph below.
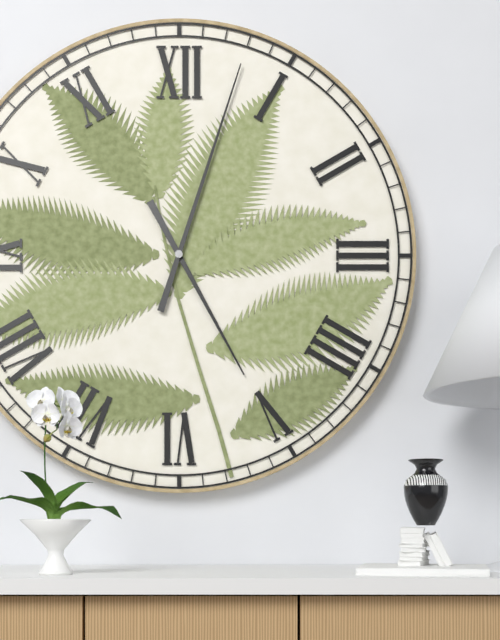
5:03
